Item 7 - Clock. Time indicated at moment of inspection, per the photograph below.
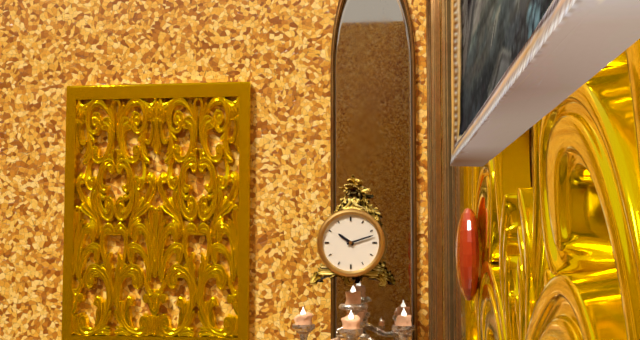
10:12
